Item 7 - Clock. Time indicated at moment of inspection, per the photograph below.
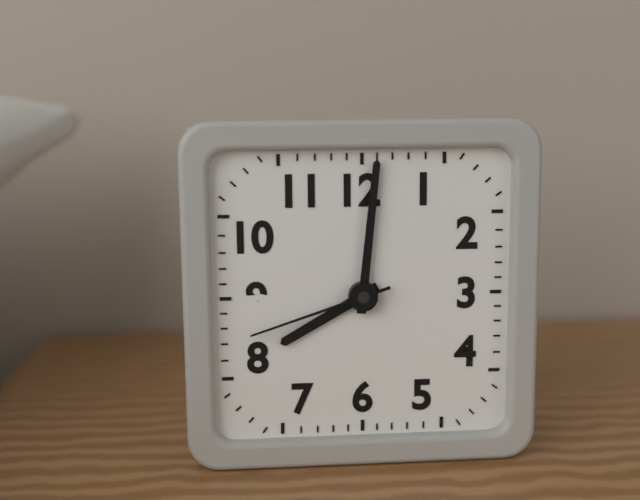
8:01:42
